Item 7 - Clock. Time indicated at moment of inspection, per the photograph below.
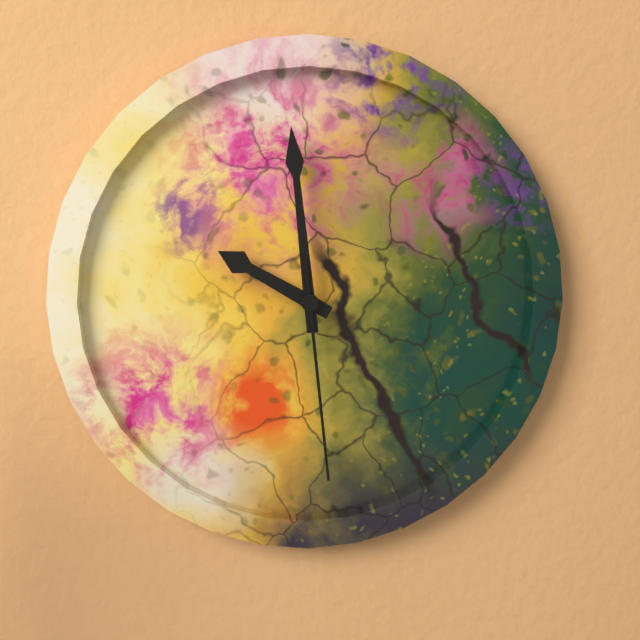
9:59:29
